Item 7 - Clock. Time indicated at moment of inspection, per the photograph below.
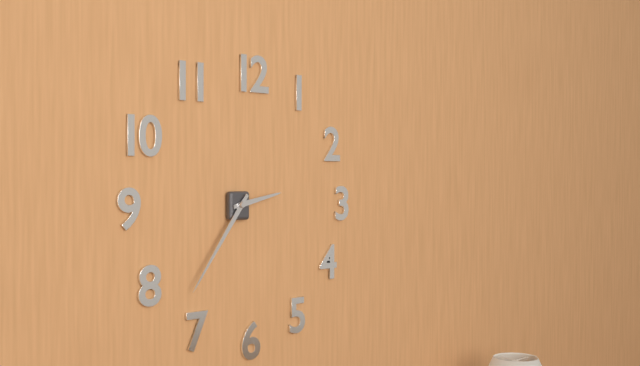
2:36
